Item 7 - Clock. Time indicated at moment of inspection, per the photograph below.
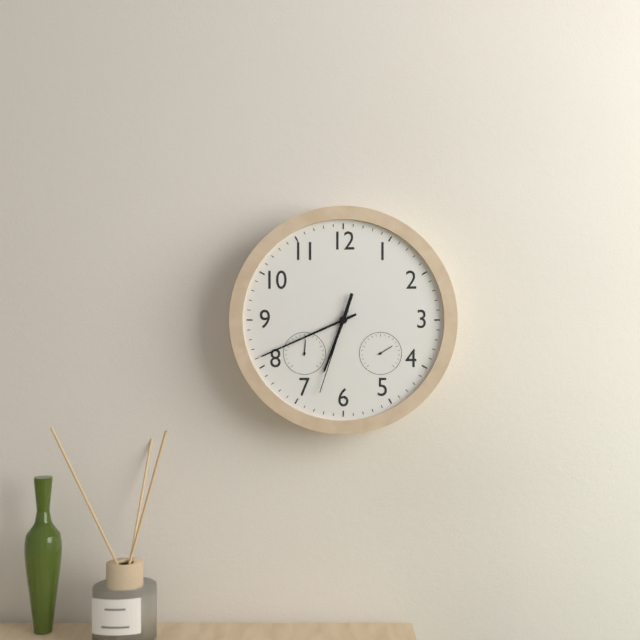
6:41:33
